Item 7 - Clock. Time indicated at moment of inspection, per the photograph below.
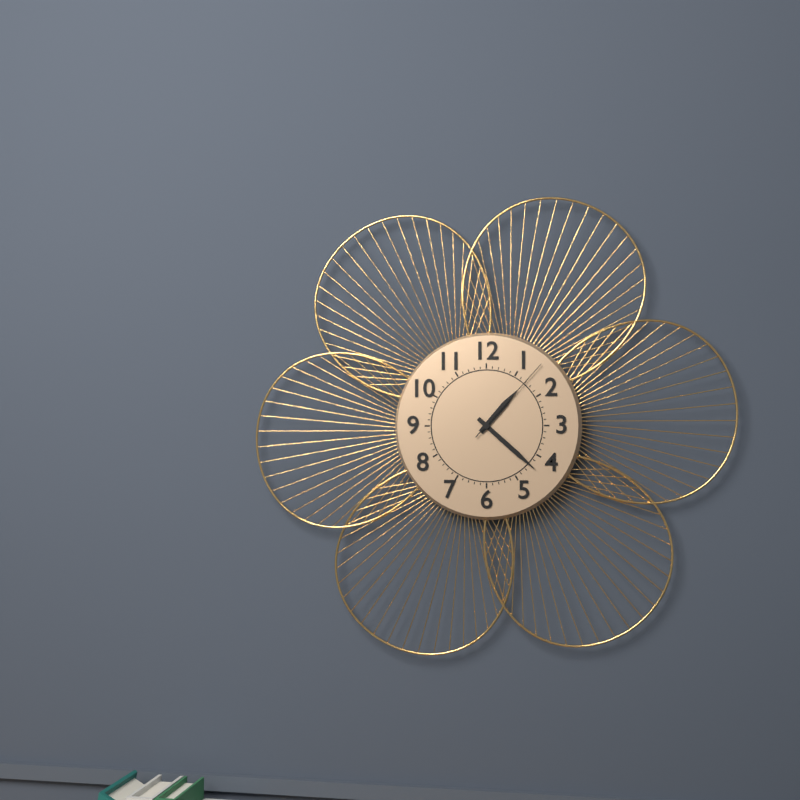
1:22:07
